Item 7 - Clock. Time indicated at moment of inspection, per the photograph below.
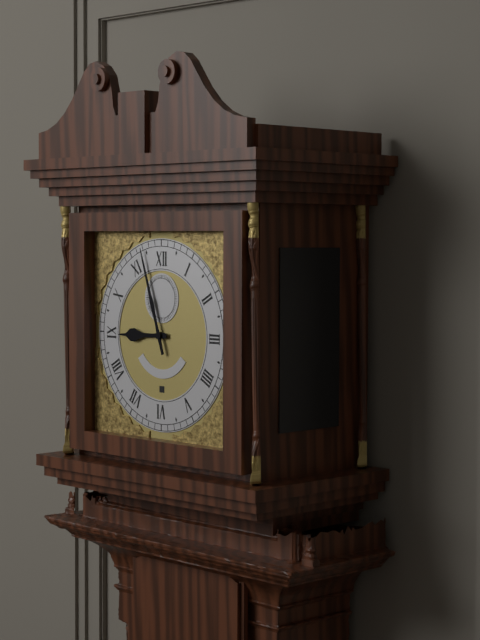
8:57
